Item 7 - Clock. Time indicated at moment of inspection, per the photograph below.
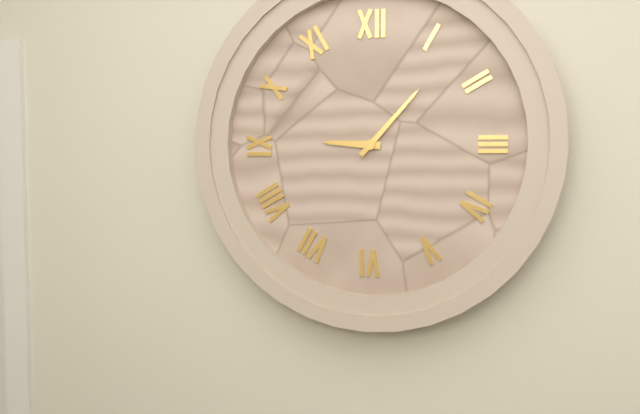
9:07
